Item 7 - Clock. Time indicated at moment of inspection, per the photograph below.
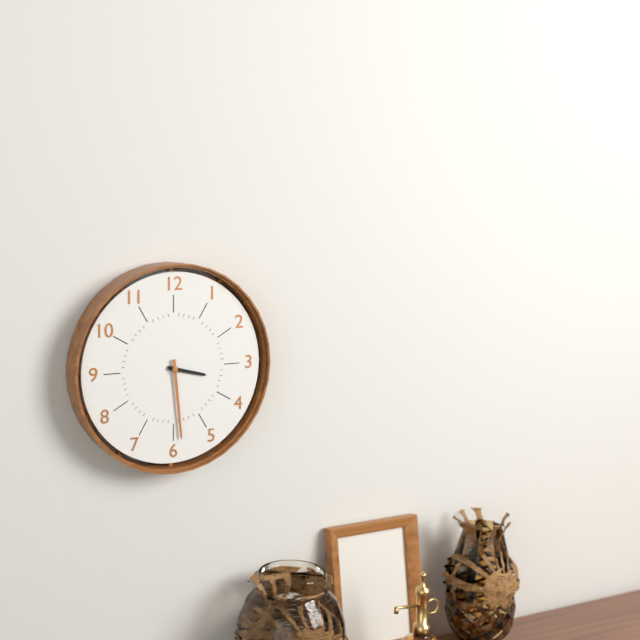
3:29
